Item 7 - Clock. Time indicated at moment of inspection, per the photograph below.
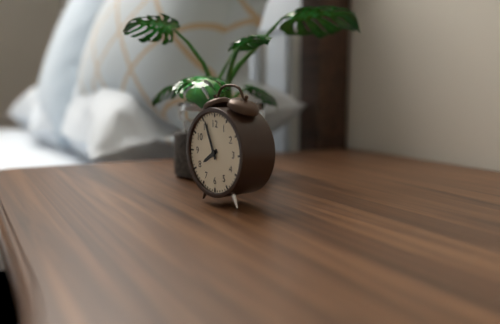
7:56
